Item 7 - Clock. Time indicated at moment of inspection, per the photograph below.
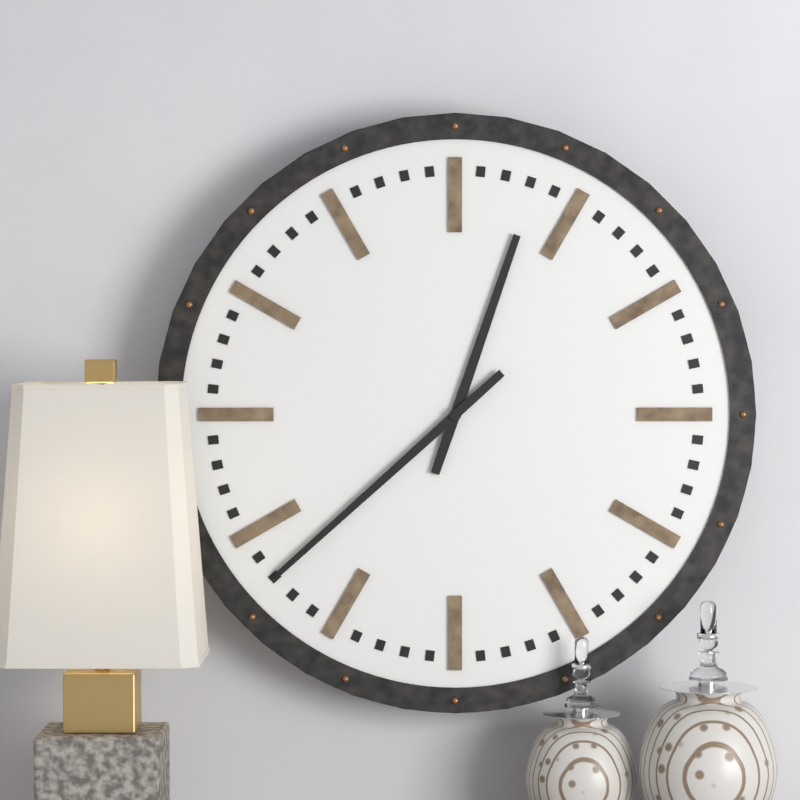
12:38
